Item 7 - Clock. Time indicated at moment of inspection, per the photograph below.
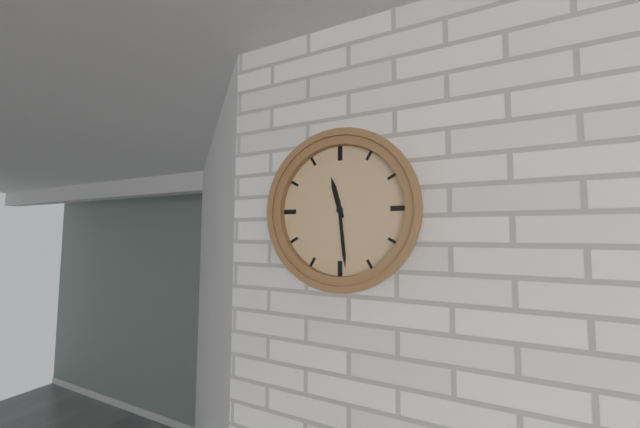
11:29
